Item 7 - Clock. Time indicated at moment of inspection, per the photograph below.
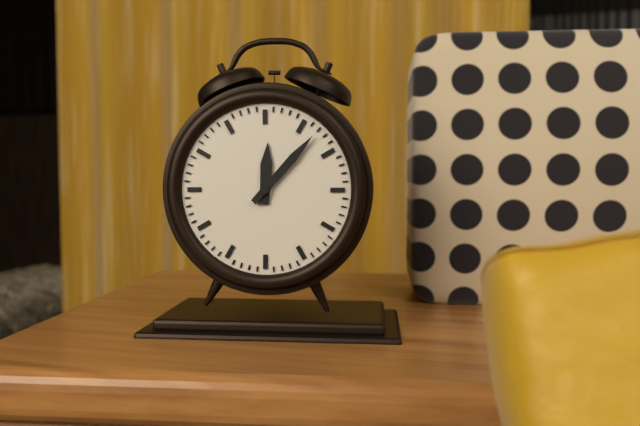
12:07
